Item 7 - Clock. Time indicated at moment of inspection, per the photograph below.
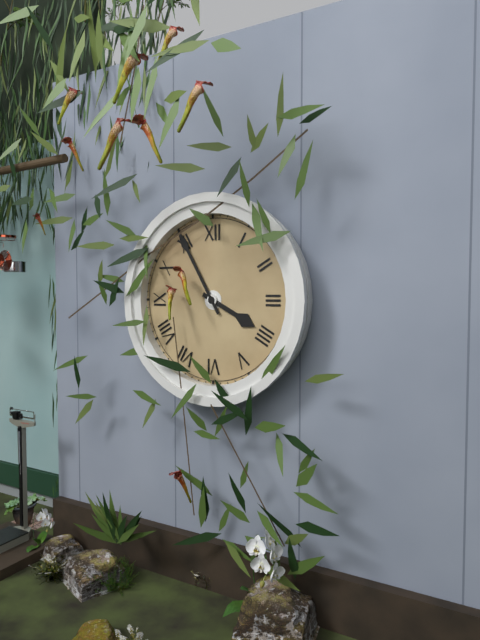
3:55
